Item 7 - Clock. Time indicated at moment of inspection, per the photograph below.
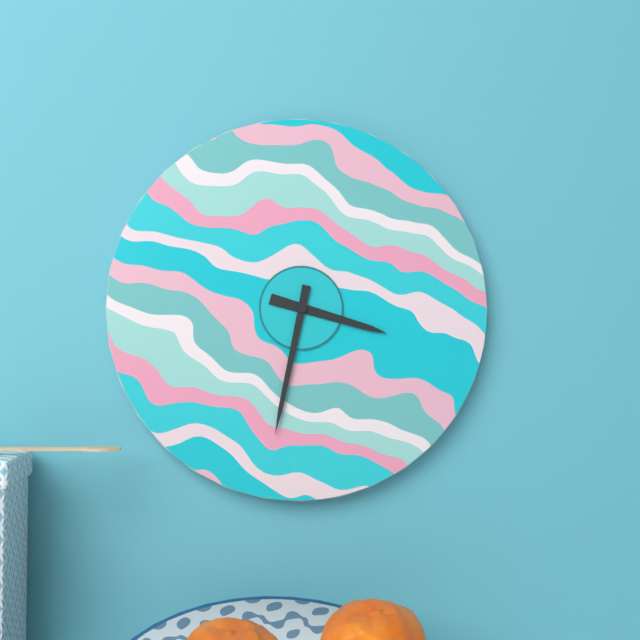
3:32
